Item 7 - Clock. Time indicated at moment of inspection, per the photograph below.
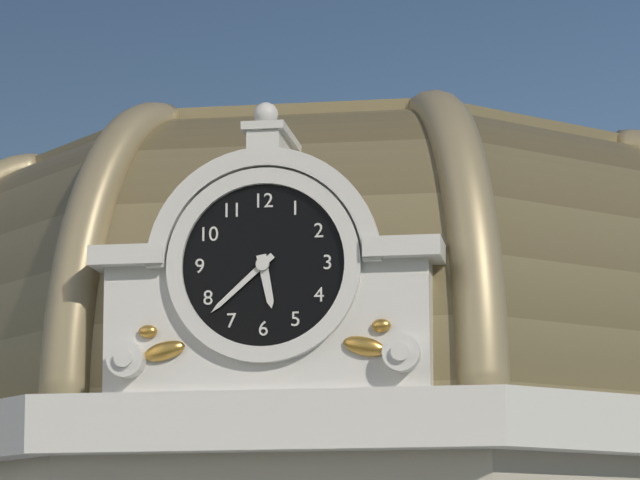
5:38
